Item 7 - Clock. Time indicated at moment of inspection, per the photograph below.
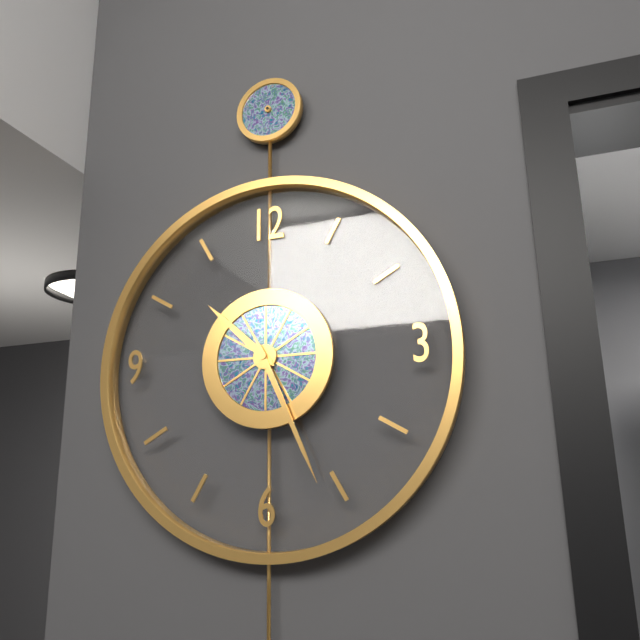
10:26
